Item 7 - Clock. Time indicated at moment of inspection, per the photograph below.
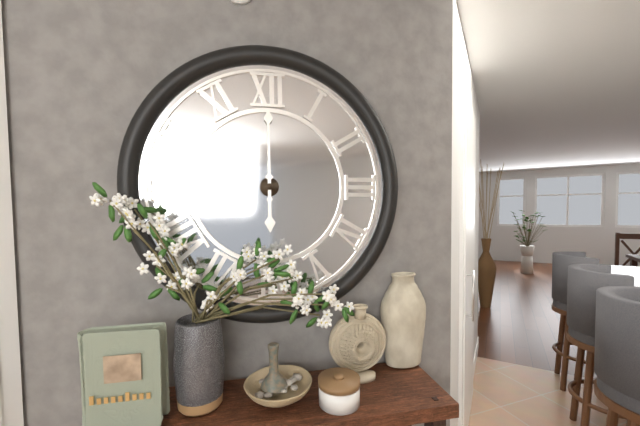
6:00
